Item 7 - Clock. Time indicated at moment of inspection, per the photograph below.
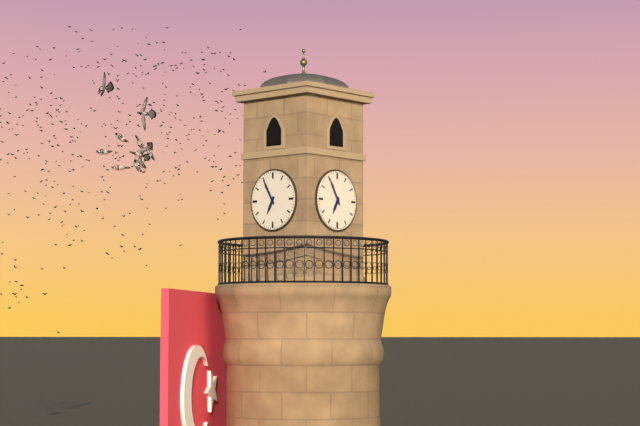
6:55
